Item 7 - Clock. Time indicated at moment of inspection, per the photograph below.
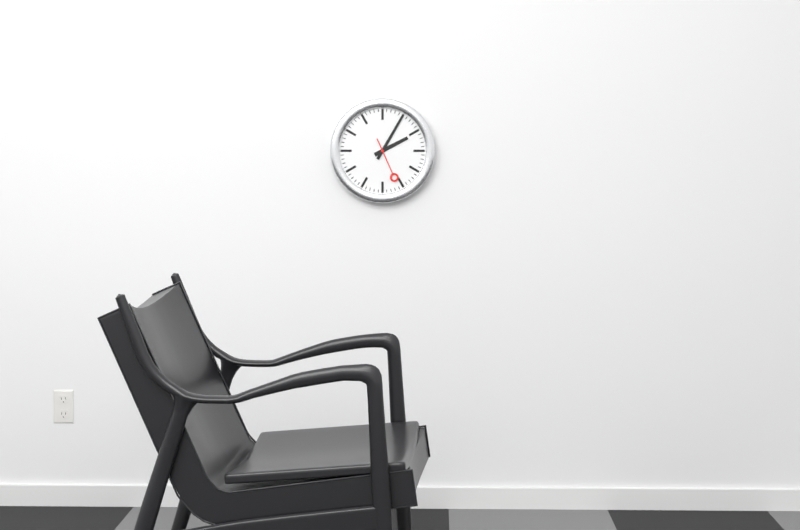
2:05
